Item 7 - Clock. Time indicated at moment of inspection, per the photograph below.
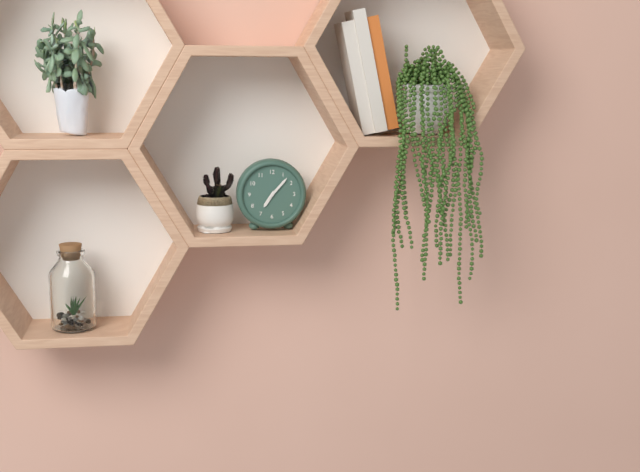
7:07
